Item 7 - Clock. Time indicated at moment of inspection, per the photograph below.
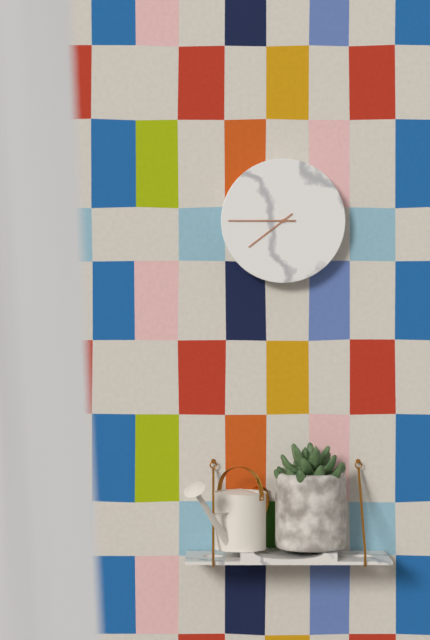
7:45
